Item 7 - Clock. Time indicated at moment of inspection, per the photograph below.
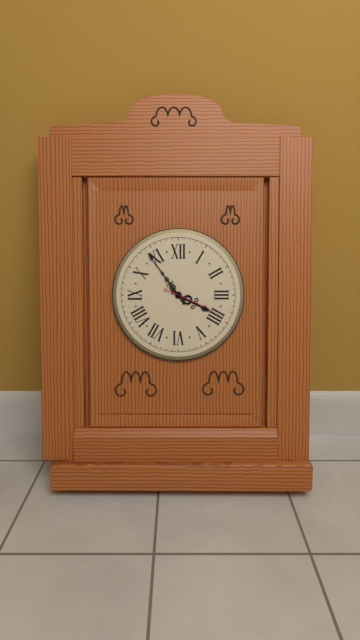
3:54:19
